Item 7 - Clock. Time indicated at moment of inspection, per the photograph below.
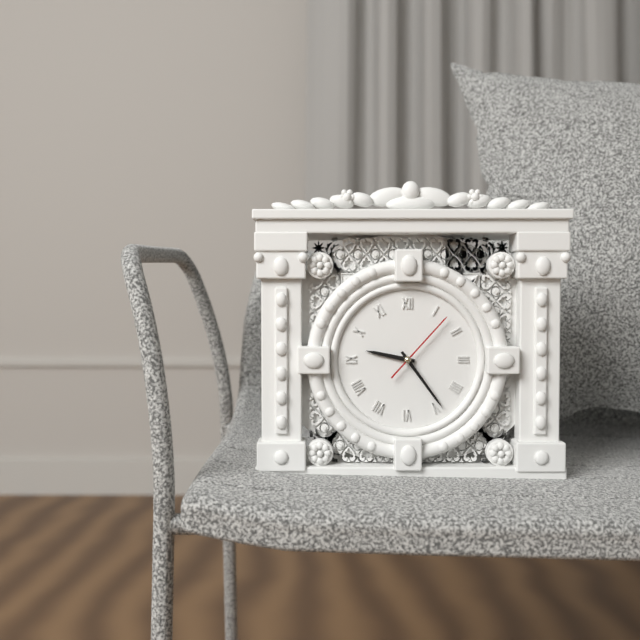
9:24:07
